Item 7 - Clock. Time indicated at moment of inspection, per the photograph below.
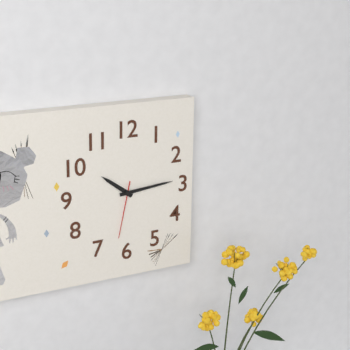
10:14:32
